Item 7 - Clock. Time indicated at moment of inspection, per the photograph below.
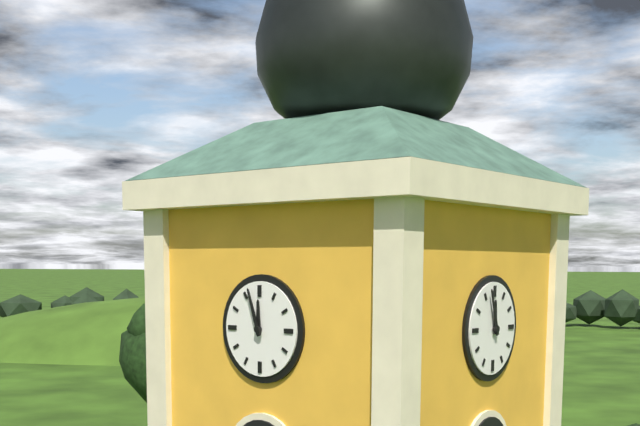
11:57
